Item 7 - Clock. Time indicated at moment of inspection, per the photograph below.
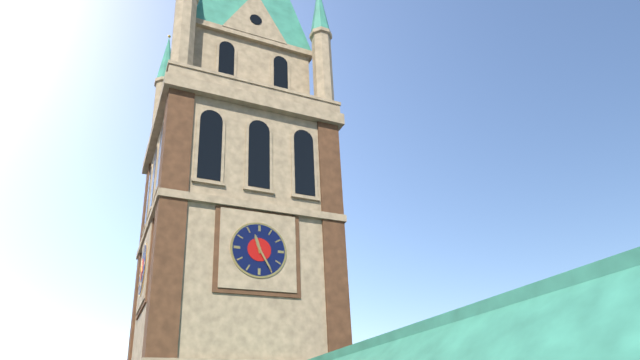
11:25
